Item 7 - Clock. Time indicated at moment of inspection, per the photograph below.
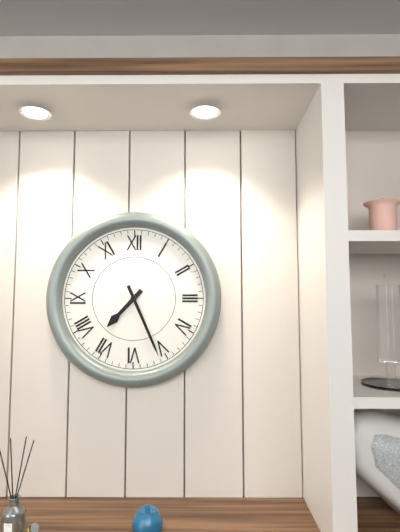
7:26
